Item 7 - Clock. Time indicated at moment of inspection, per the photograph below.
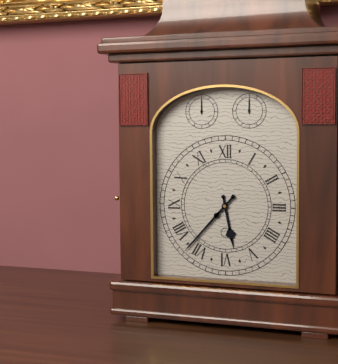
5:37
